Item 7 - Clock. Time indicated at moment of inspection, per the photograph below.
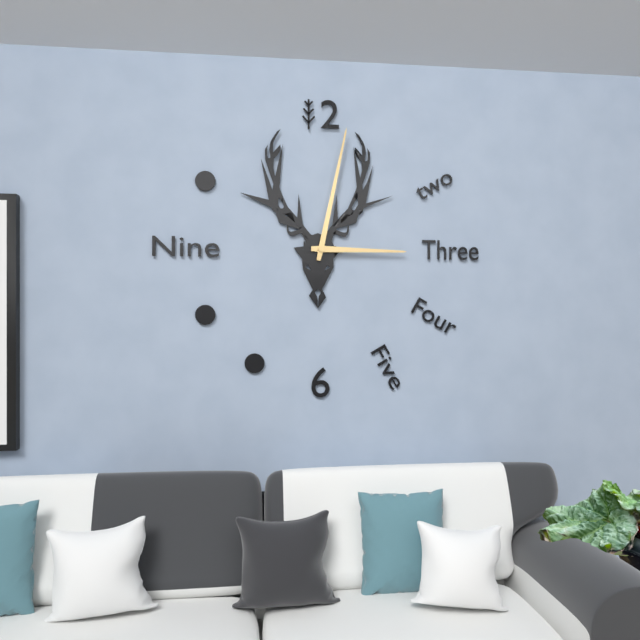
3:02
